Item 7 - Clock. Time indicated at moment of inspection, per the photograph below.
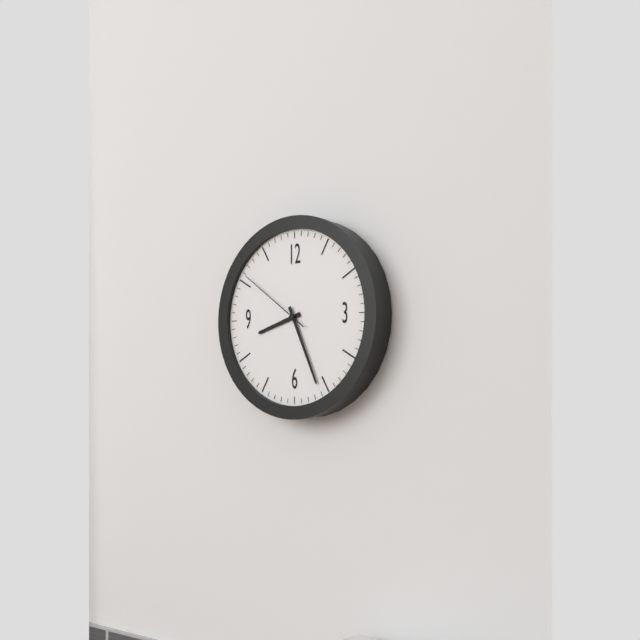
8:26:51
